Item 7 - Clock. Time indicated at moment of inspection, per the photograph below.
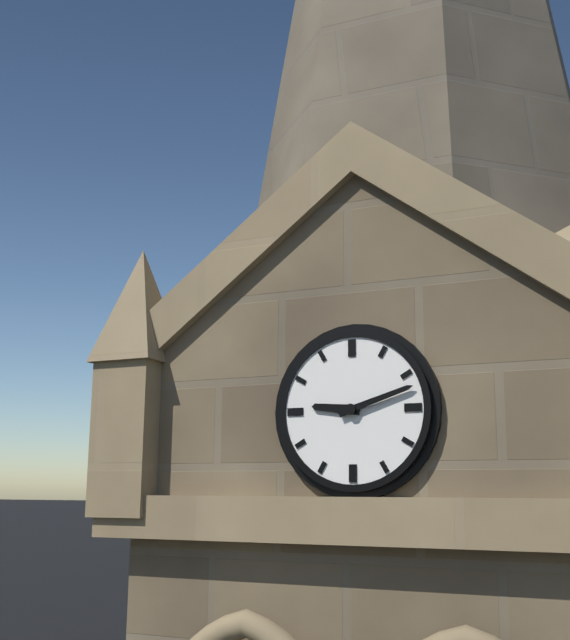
9:12
